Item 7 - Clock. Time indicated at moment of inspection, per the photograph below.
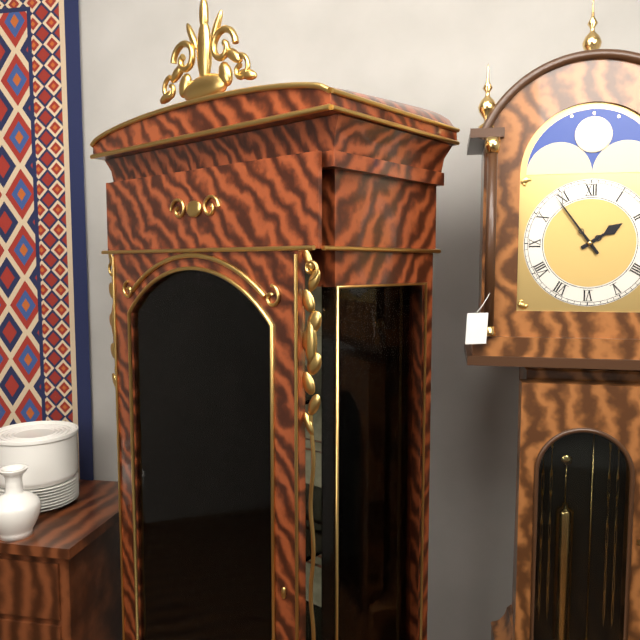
1:54
